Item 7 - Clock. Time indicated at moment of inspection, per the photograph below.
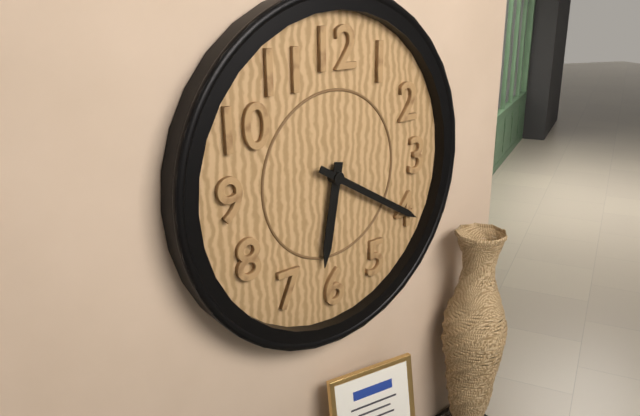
6:20
